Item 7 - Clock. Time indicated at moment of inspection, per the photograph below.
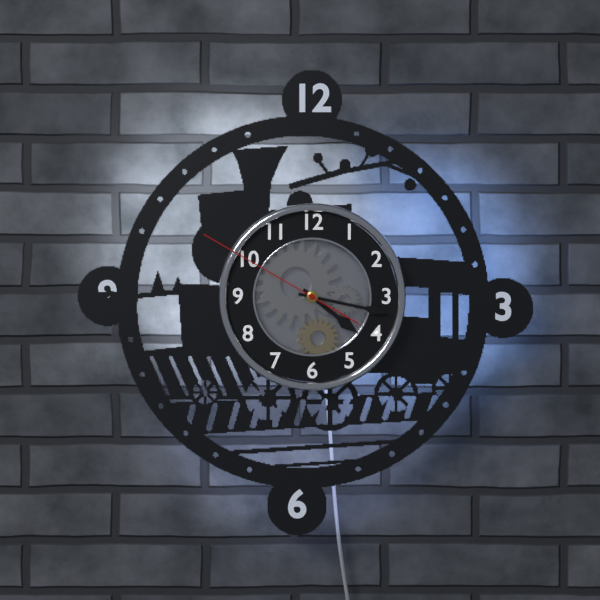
4:17:50
